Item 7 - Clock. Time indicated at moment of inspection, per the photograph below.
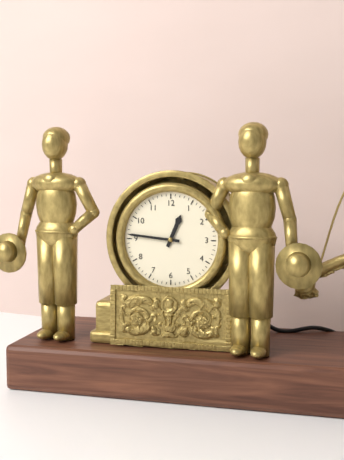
12:46
